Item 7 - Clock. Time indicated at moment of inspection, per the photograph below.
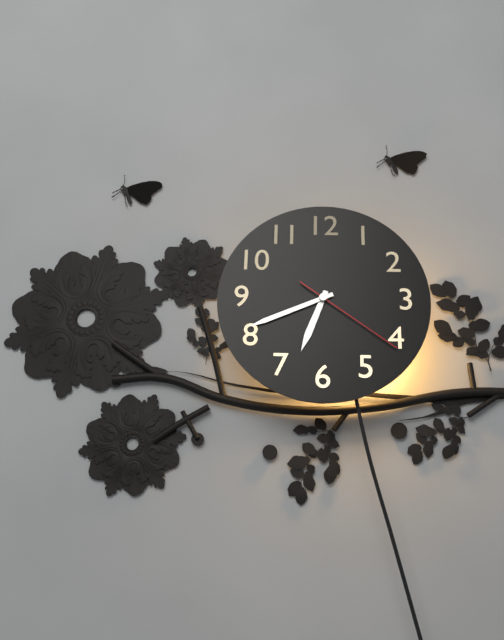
6:41:21
